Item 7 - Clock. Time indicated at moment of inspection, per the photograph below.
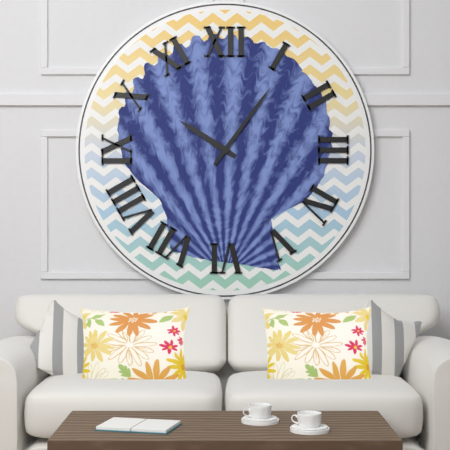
10:06
